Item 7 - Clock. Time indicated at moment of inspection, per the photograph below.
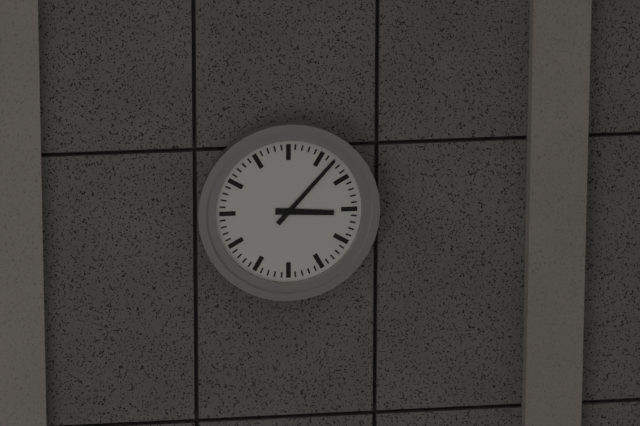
3:07
